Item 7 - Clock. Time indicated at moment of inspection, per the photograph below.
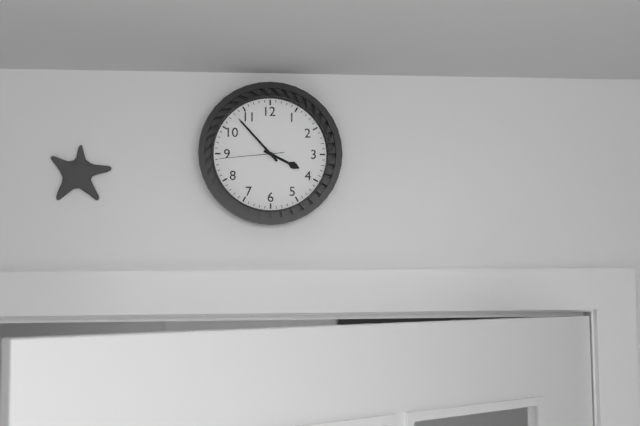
3:53:44
